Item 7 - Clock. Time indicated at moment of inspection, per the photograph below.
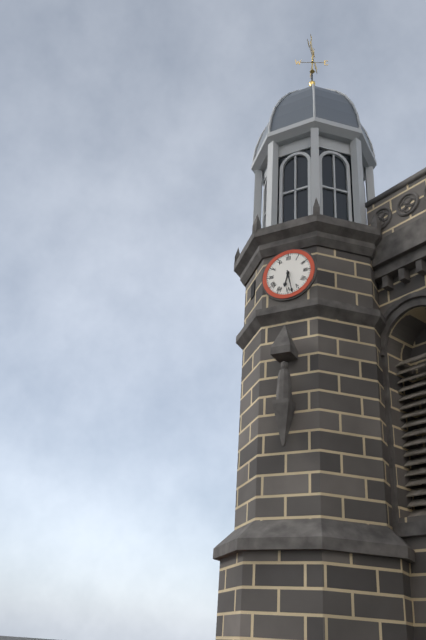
6:28
